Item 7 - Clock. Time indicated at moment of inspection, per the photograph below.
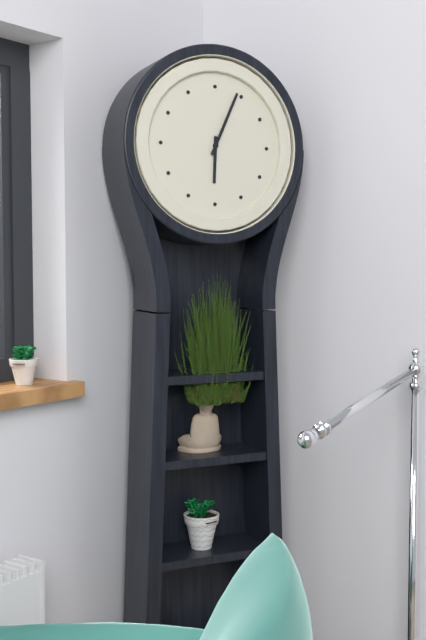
6:04
